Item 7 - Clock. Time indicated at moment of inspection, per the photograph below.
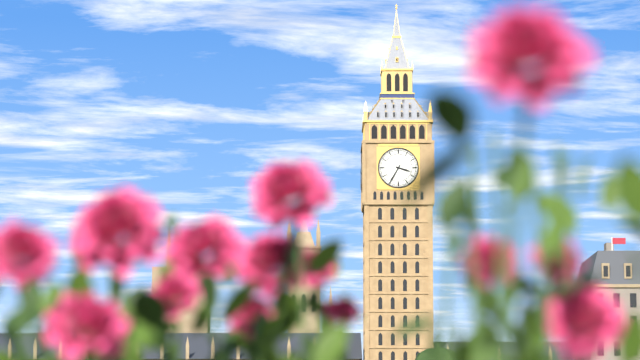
3:35
